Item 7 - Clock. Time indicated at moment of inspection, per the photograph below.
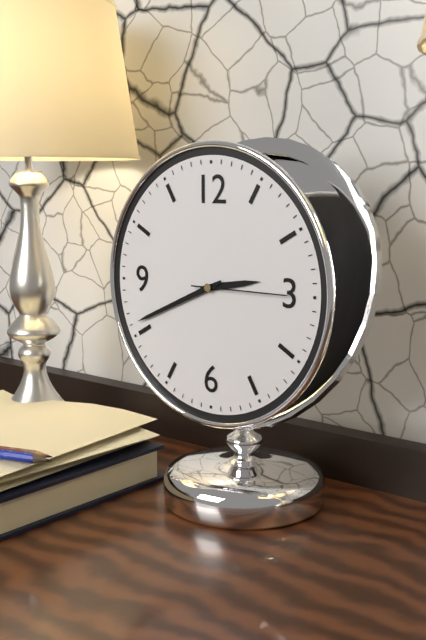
2:41:15
